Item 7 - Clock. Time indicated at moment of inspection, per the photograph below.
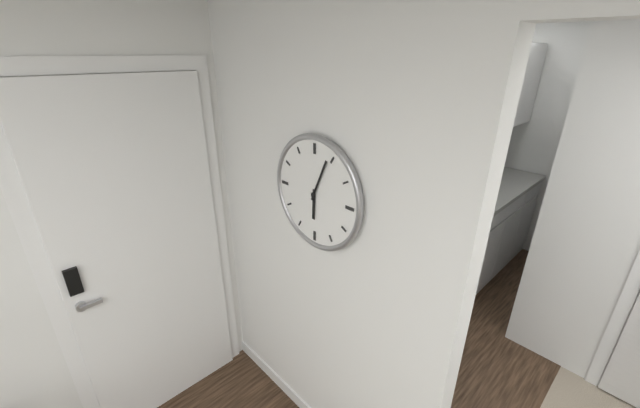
6:04
